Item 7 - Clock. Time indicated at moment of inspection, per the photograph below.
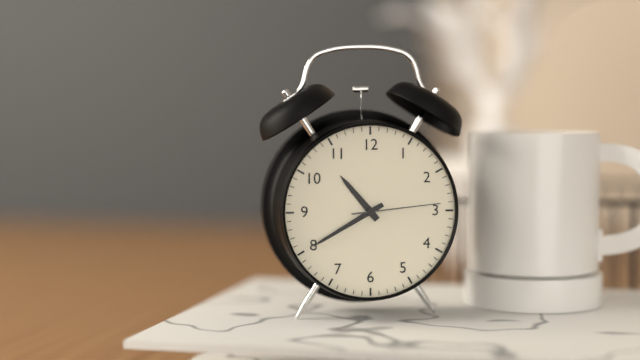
10:40:14
